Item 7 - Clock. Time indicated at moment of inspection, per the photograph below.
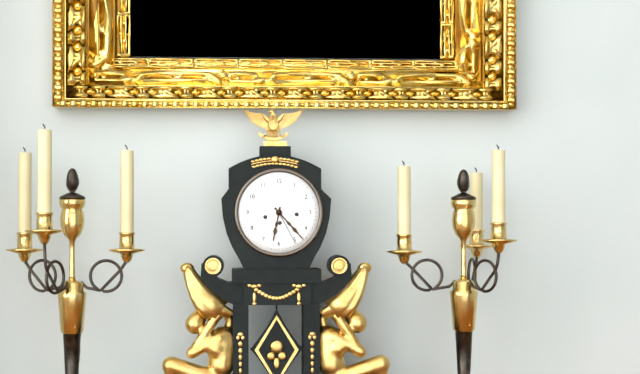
6:23
